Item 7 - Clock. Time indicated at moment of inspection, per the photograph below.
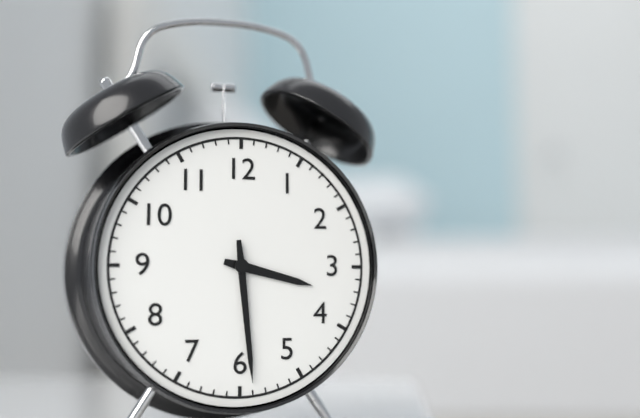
3:29
